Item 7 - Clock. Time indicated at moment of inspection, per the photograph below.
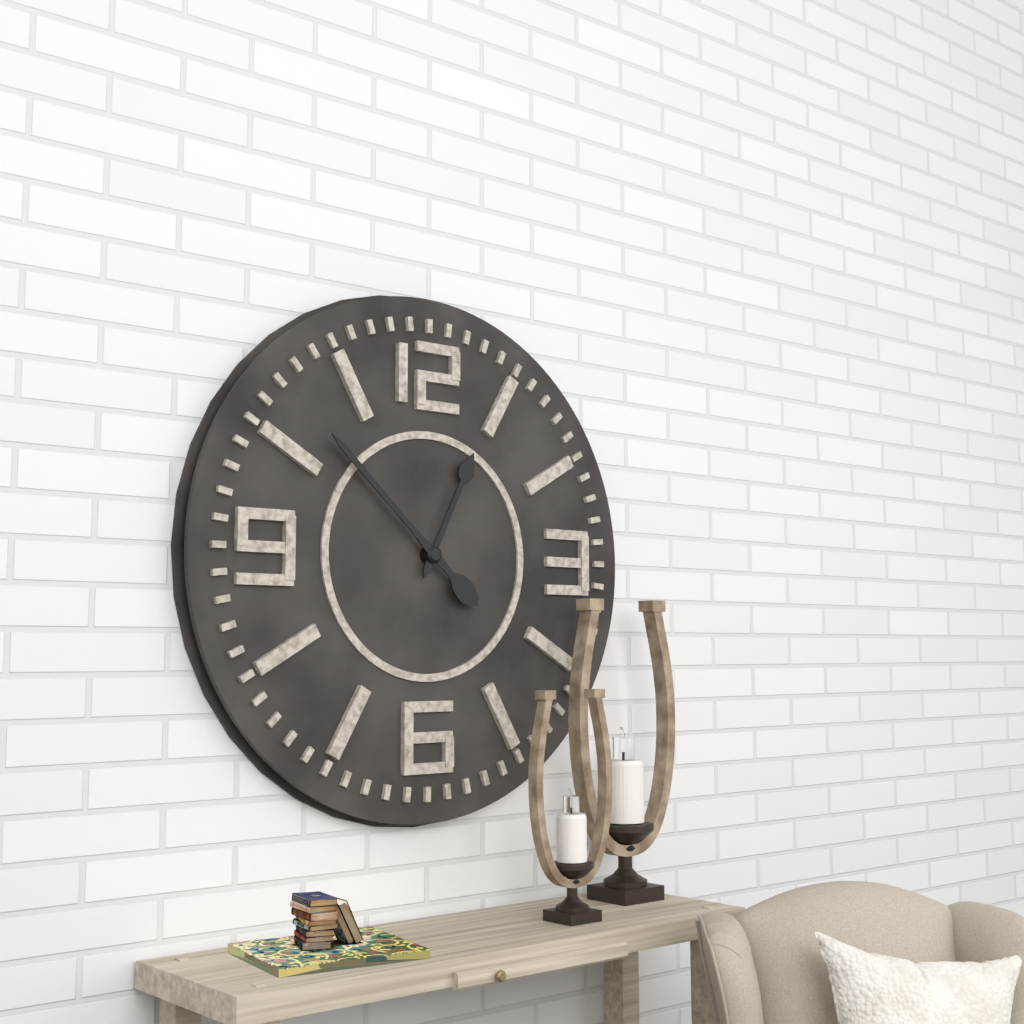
12:52
